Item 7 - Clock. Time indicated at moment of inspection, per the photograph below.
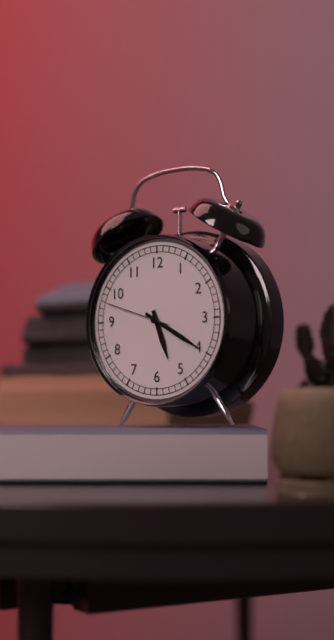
5:20:48
